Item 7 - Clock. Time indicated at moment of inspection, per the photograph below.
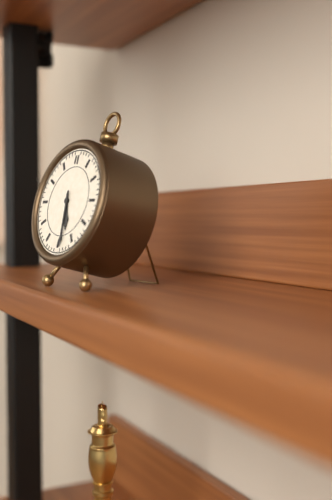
5:29
